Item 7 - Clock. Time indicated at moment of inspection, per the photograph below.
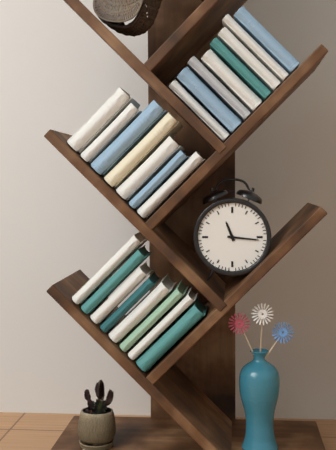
11:16
